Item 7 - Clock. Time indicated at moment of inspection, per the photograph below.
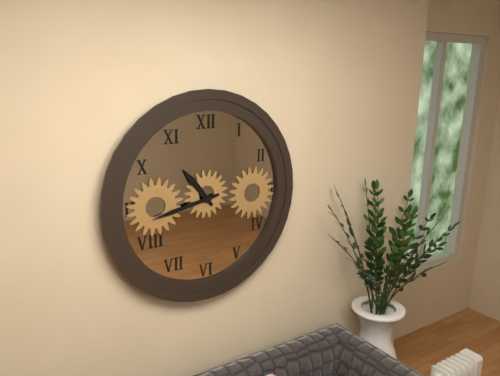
10:43
